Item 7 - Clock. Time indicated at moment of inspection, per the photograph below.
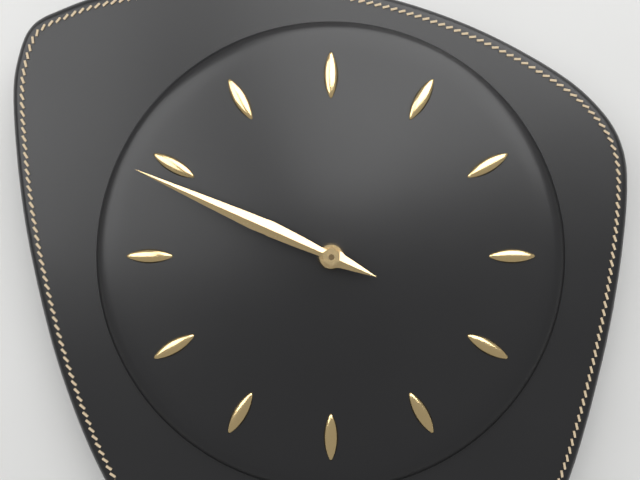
9:49
